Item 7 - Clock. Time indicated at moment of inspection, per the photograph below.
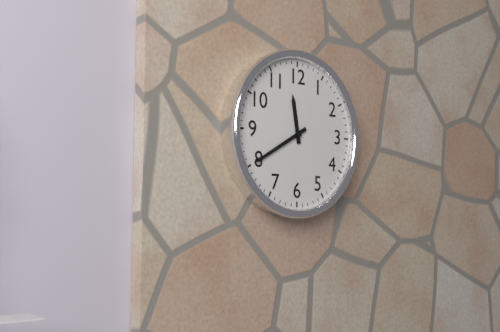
11:40
